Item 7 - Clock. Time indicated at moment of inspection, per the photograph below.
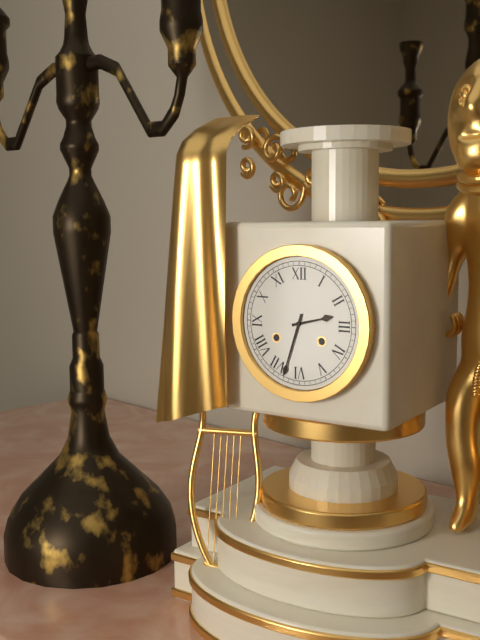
2:33
